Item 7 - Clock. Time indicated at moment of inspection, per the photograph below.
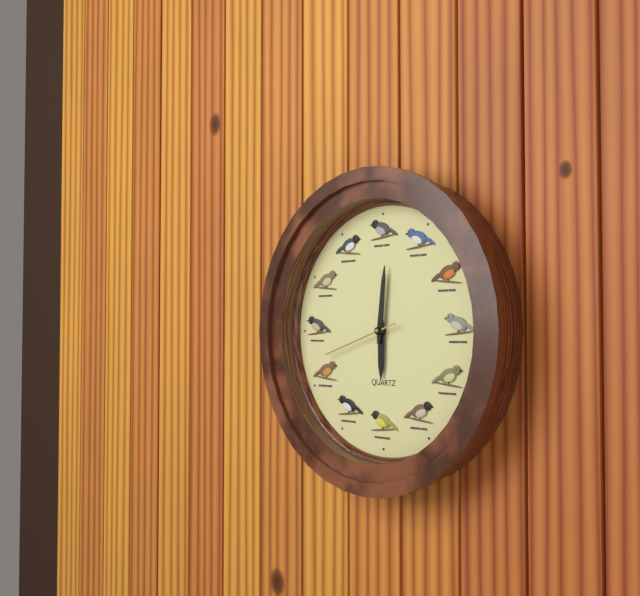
6:01:42
